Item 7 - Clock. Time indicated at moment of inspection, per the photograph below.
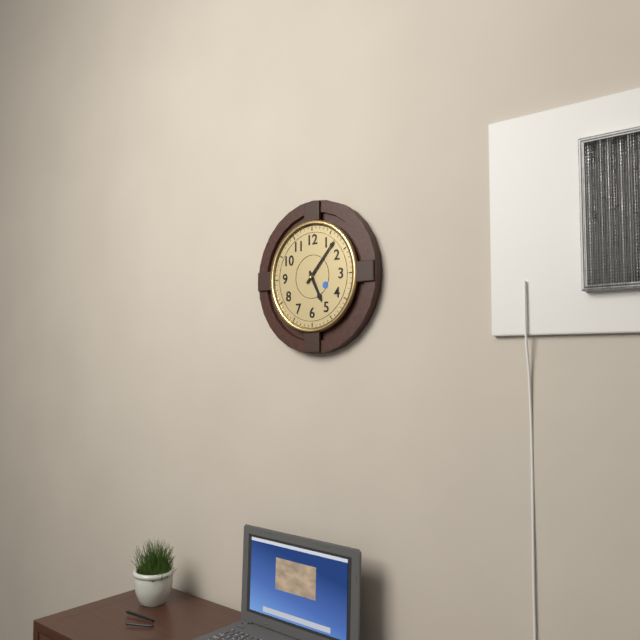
5:07
